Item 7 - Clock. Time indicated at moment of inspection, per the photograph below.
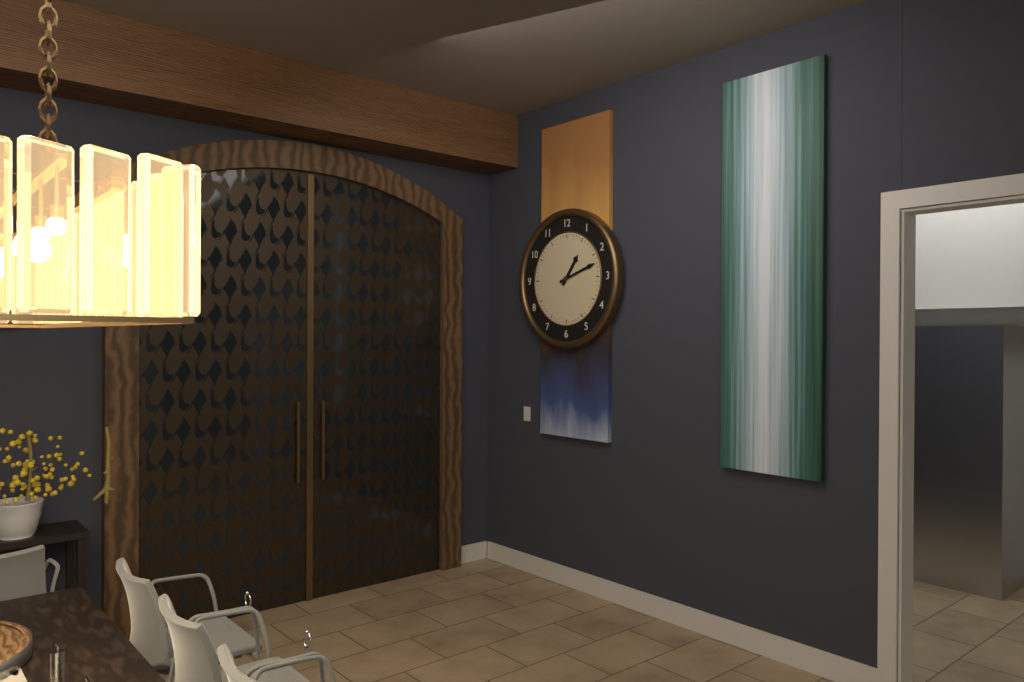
1:12
